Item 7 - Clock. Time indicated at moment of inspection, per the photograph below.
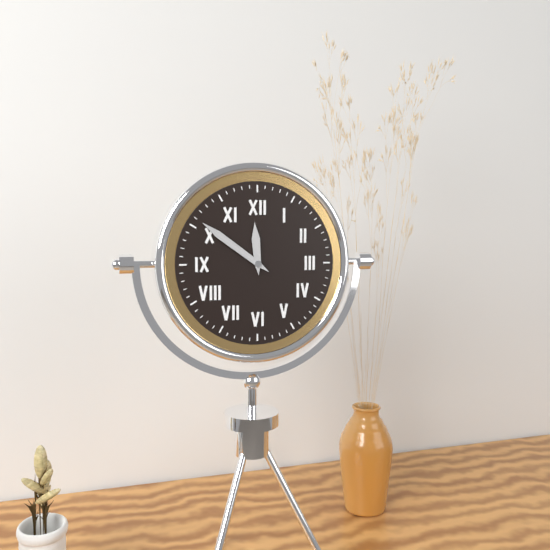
11:51
